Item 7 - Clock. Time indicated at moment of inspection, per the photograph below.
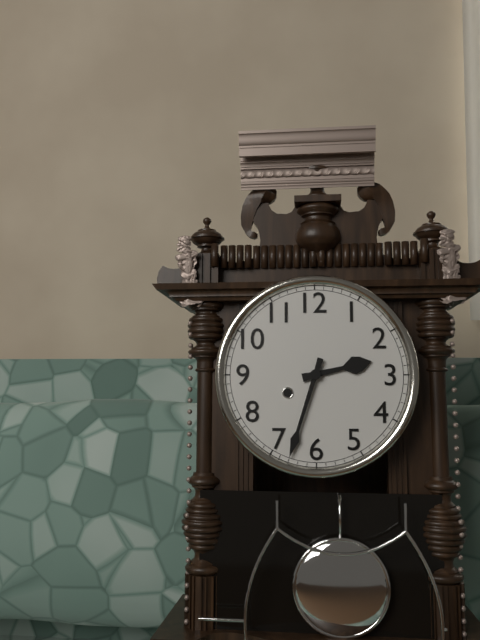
2:33
